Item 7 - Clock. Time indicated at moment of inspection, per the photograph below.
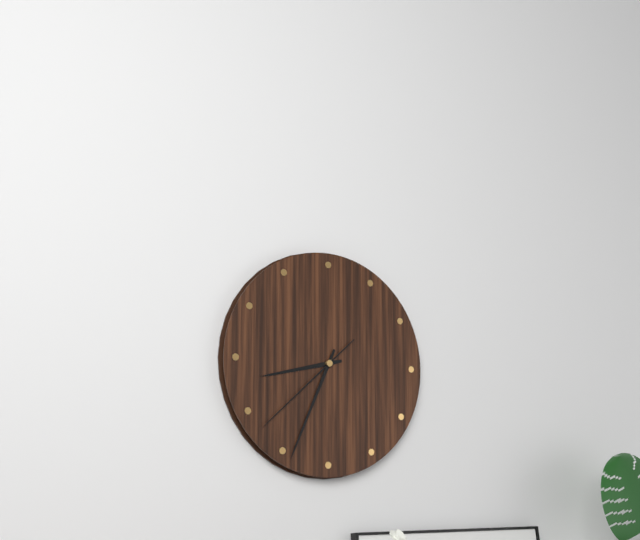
8:34:38
